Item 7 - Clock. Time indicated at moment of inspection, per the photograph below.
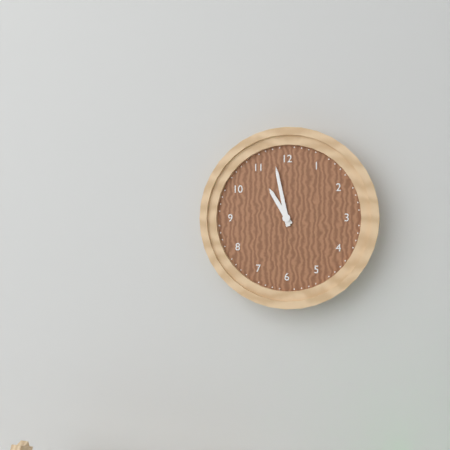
10:58
